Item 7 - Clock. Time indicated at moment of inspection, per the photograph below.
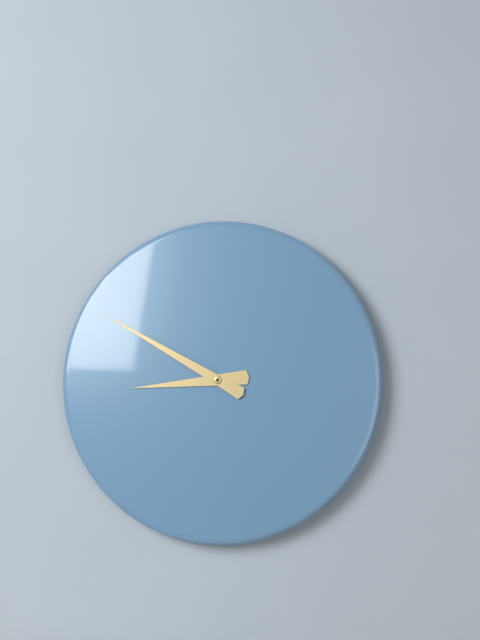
8:50
